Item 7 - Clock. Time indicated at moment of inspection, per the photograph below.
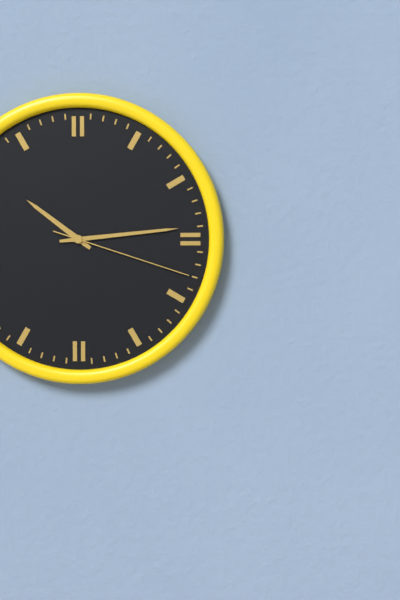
10:14:18
